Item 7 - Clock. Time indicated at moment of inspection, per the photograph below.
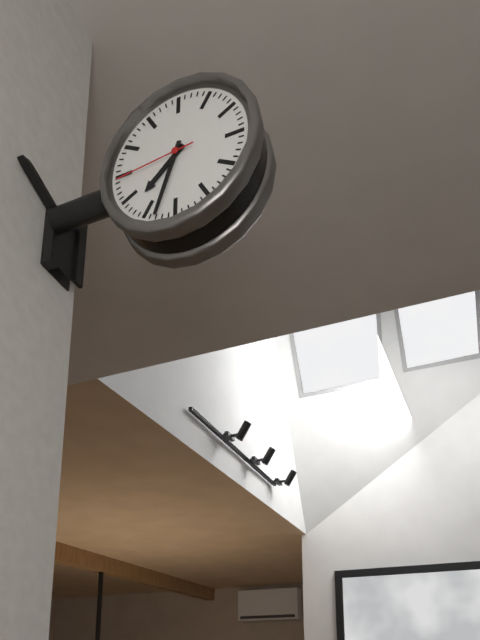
7:33:44
